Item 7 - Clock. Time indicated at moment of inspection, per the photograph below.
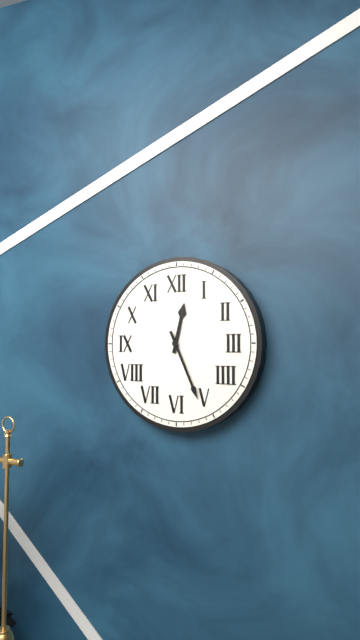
12:26
